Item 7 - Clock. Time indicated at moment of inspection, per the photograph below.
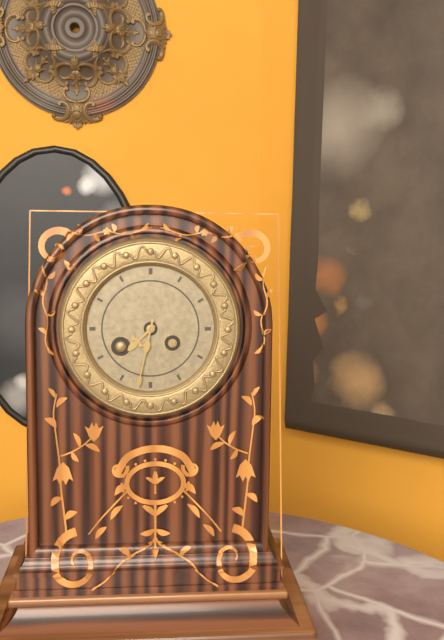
7:32
